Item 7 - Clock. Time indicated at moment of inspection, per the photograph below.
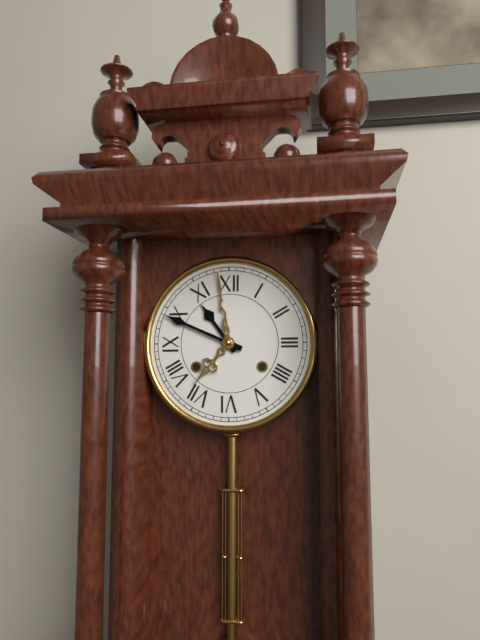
10:49
